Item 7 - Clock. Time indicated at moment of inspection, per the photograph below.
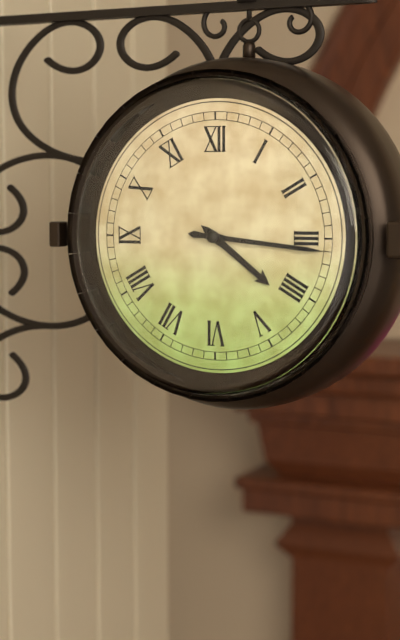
4:16
